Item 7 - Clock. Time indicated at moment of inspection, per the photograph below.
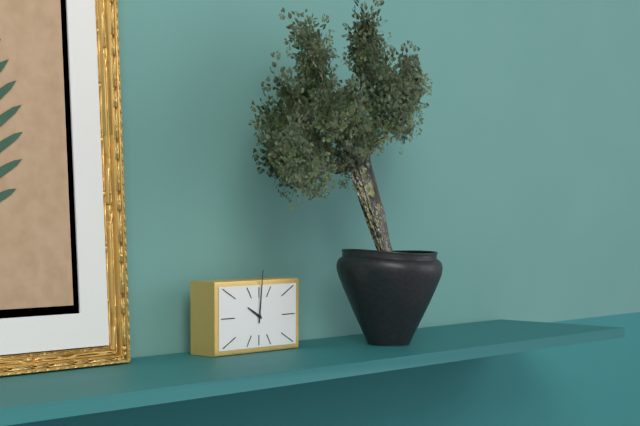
10:01
